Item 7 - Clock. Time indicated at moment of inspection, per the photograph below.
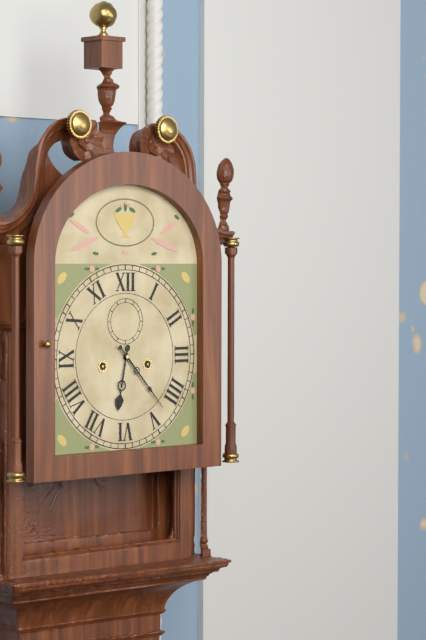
6:23
